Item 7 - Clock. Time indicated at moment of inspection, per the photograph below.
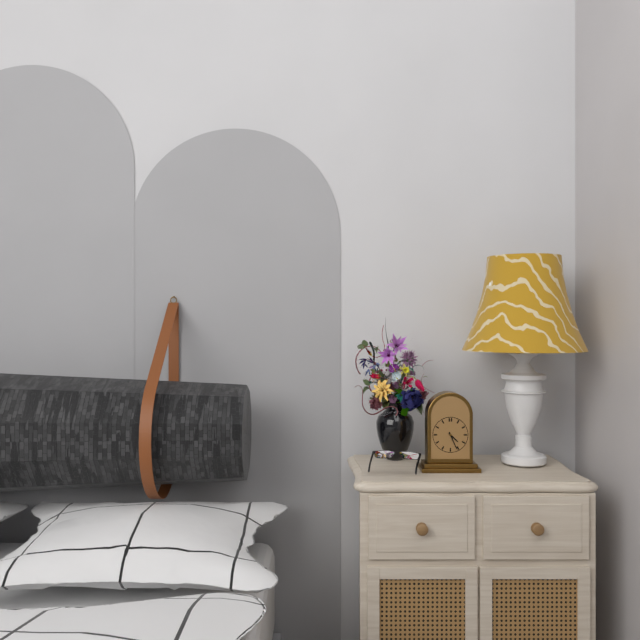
4:26
